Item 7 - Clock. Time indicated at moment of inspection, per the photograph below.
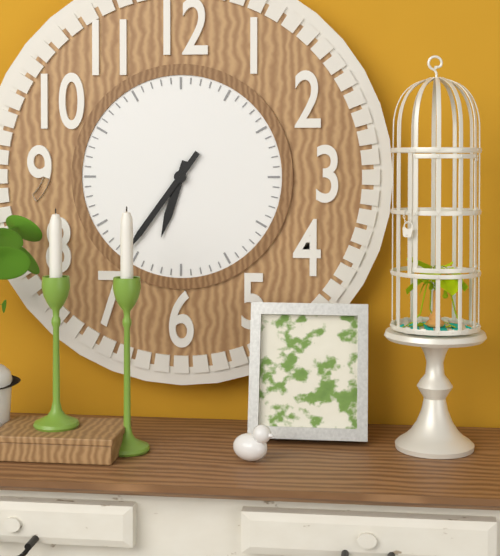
6:36
